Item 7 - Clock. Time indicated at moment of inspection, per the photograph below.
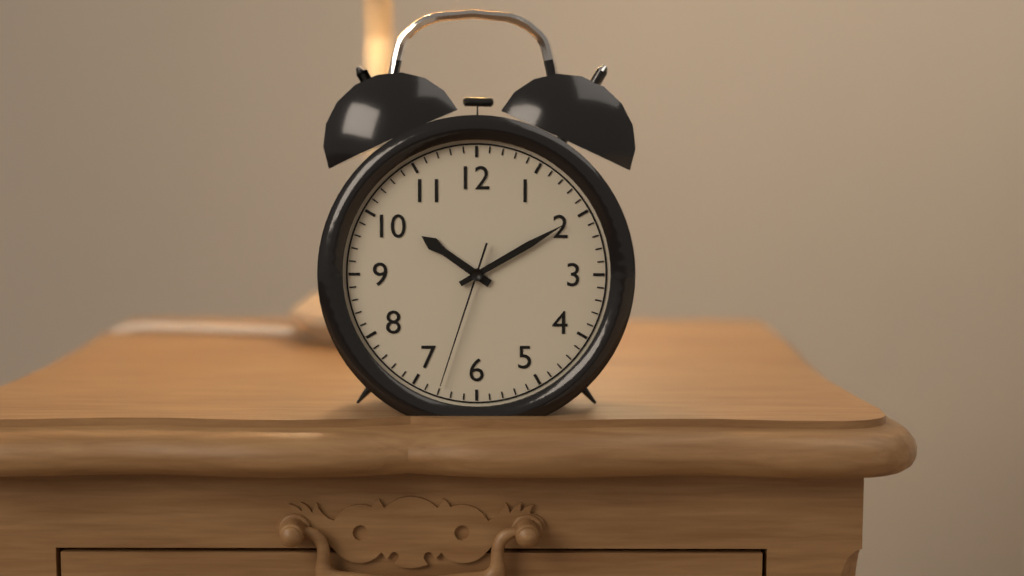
10:10:33
